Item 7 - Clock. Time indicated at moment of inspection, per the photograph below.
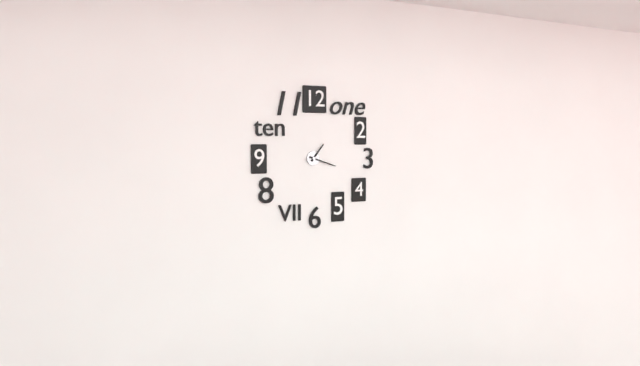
1:18
